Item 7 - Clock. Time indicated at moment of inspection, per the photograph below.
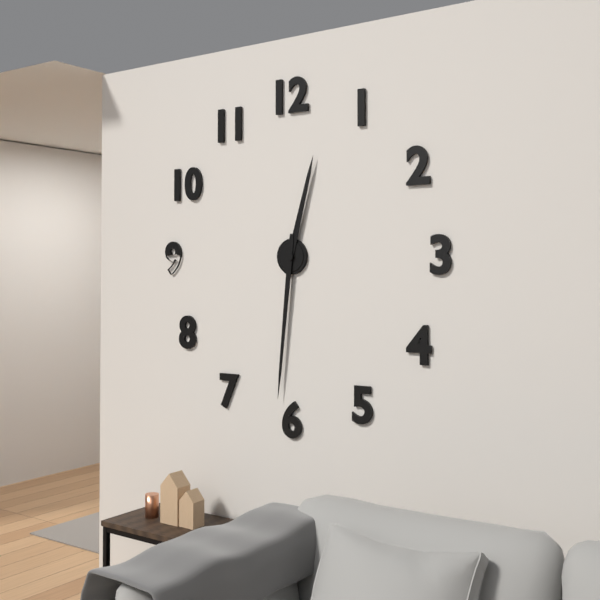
12:31
